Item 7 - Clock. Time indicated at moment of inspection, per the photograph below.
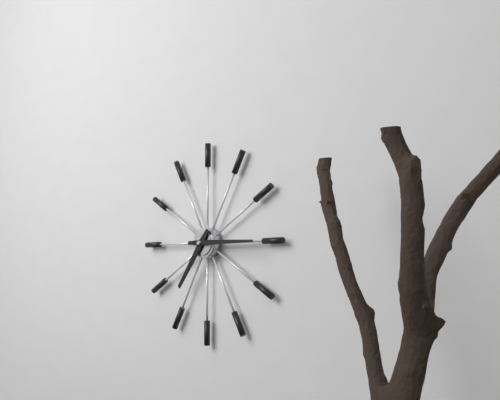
7:15
